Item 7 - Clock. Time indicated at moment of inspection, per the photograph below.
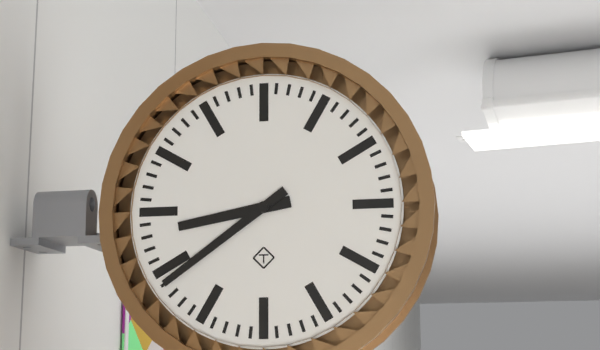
8:39
